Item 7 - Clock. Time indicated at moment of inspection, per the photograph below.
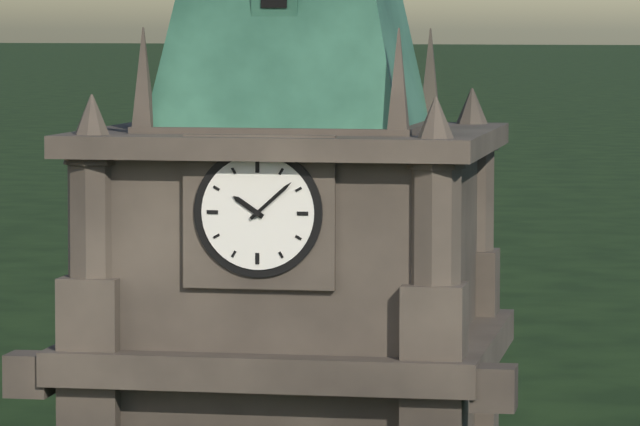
10:08
